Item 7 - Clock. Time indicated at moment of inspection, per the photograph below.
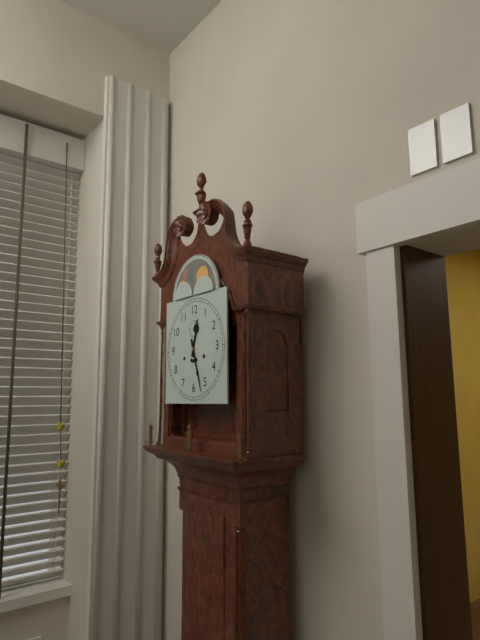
12:27
